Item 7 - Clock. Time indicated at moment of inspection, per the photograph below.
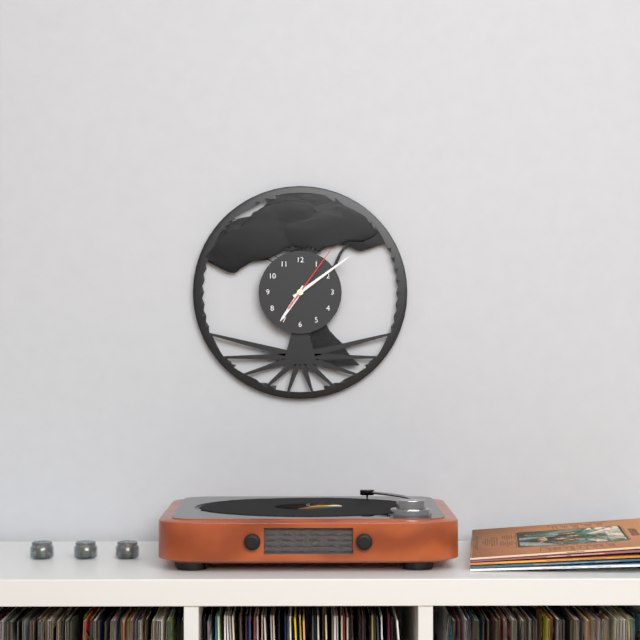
7:09:06
